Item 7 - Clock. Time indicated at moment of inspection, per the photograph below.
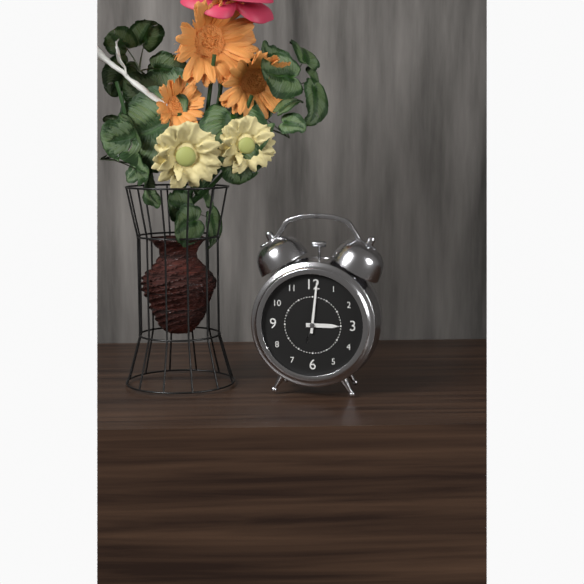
3:01
